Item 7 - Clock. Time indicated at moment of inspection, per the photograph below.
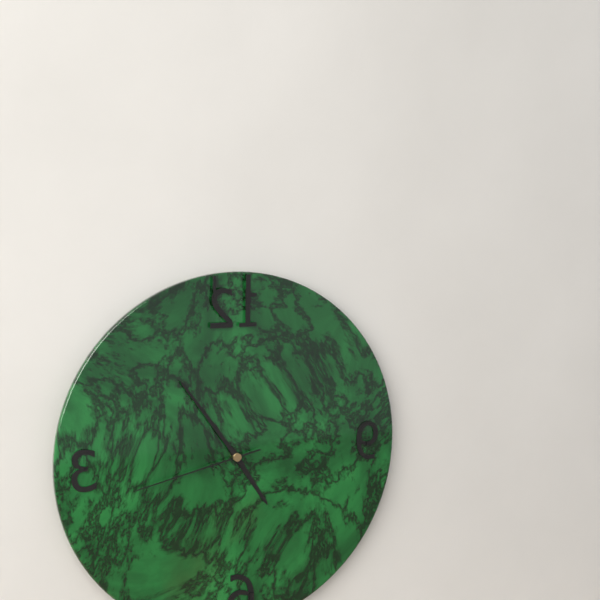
4:54:43
